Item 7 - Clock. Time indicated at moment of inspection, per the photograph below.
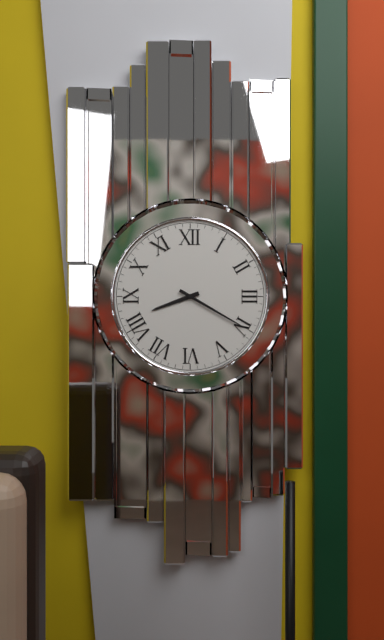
8:20
